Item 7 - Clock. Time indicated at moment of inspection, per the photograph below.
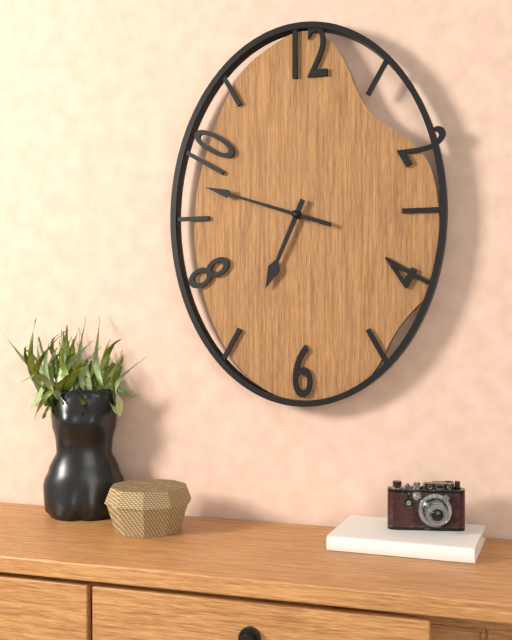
6:48
